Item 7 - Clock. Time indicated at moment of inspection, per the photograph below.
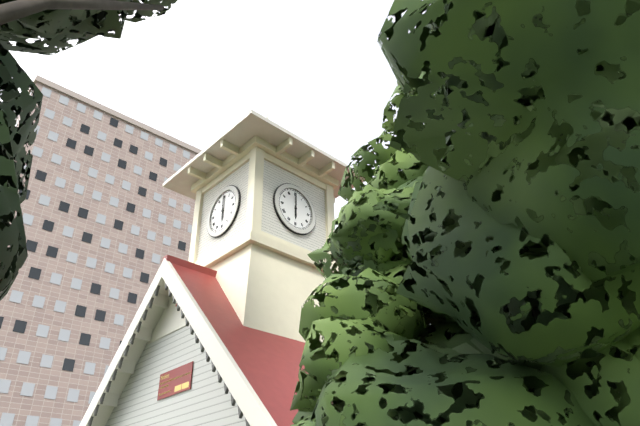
6:00
